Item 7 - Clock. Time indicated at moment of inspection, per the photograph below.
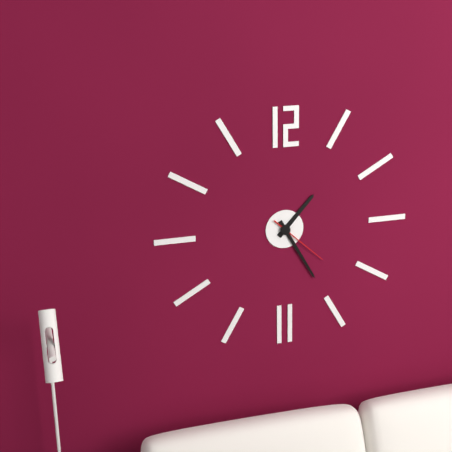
1:25:22
